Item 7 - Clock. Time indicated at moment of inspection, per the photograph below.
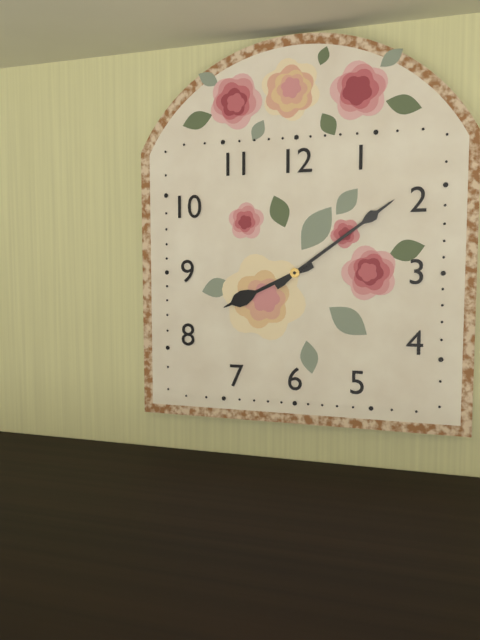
8:09
